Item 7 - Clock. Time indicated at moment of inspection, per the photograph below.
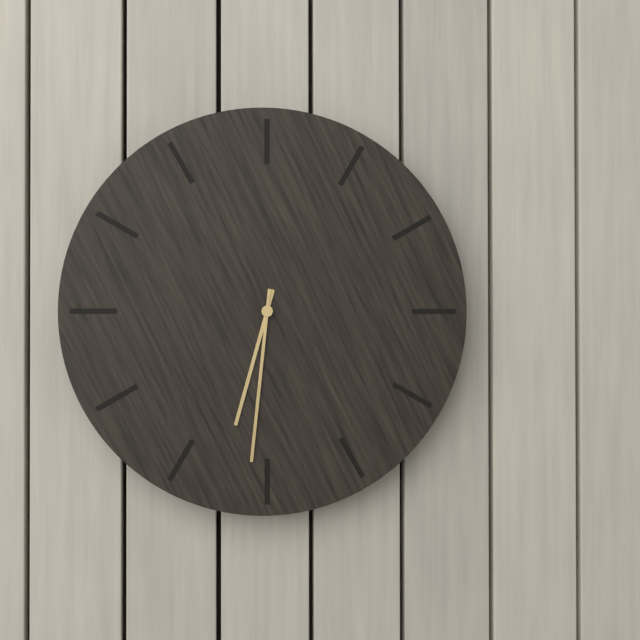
6:31
